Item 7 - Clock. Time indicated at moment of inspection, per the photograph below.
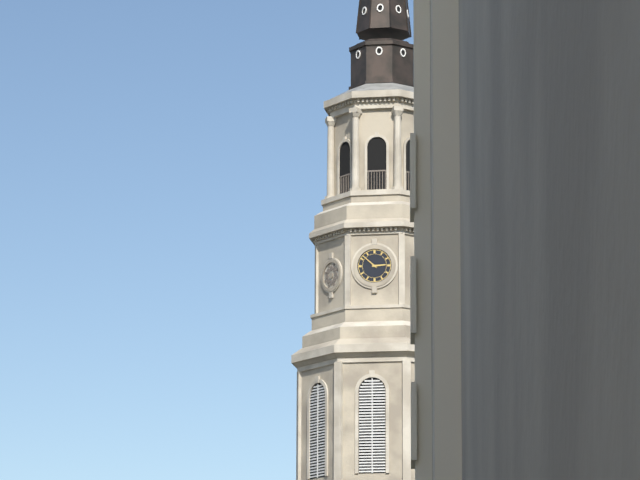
2:52
